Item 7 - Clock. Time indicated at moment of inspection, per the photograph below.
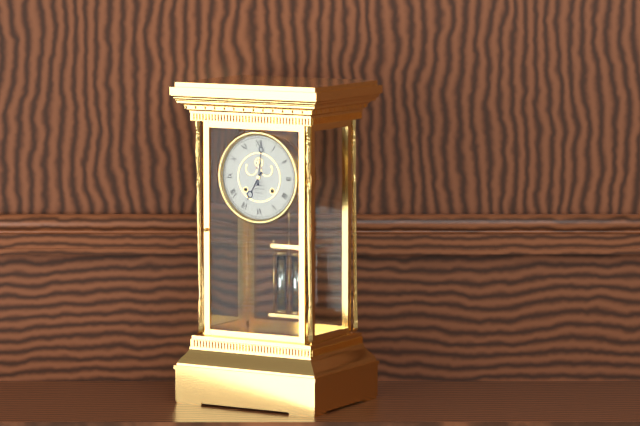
7:01
